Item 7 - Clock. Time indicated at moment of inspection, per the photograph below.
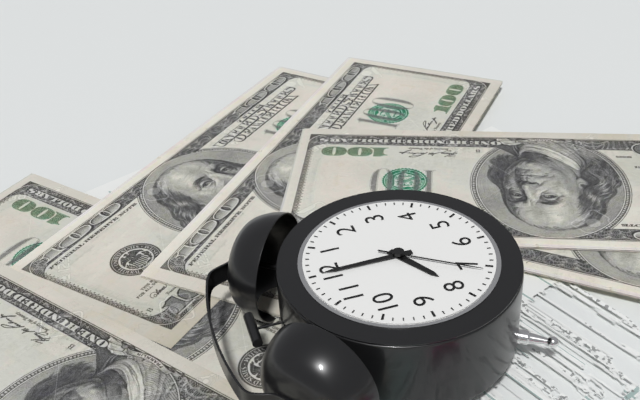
8:00:36
